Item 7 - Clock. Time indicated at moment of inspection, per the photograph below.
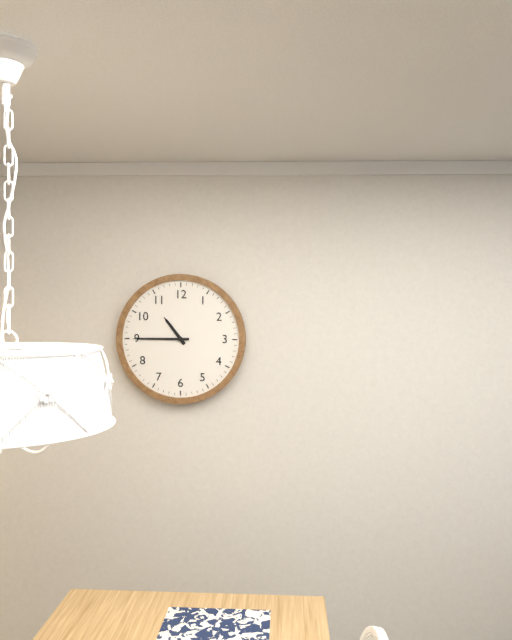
10:45
